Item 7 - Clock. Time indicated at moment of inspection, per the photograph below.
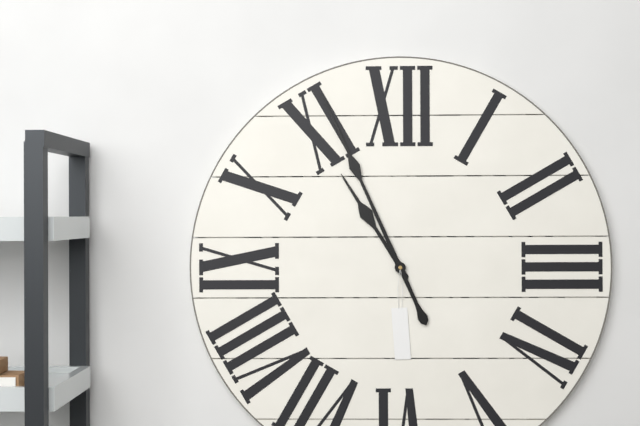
10:56
